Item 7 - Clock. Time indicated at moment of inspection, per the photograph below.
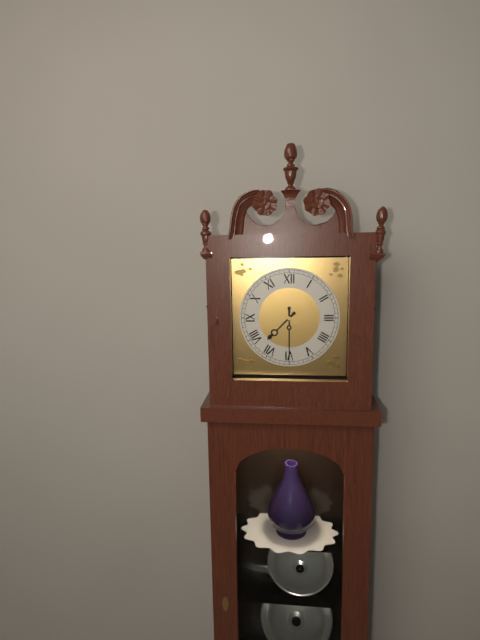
7:30
